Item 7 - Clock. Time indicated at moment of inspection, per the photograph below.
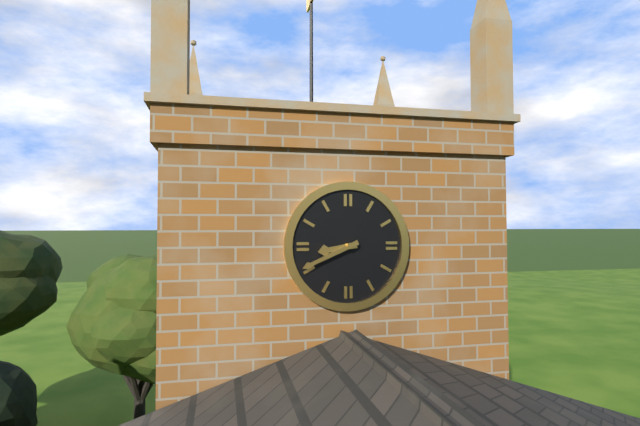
8:41
